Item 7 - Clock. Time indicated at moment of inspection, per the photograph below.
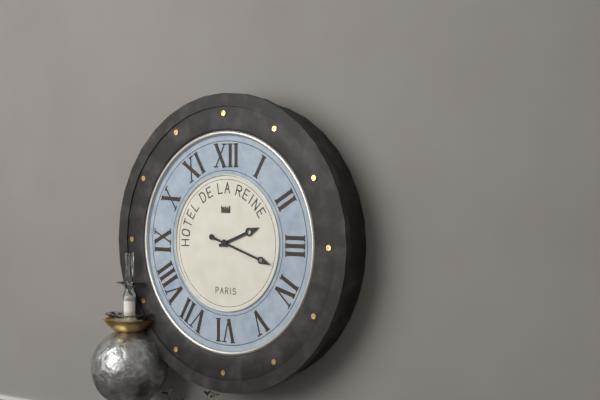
2:18
